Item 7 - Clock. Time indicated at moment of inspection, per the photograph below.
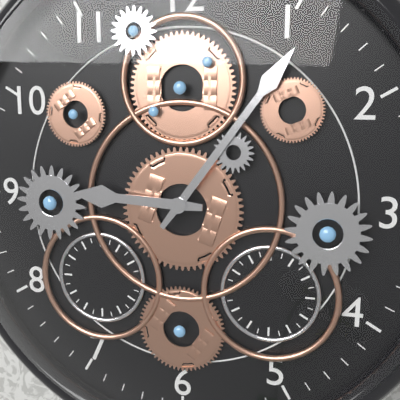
9:06
